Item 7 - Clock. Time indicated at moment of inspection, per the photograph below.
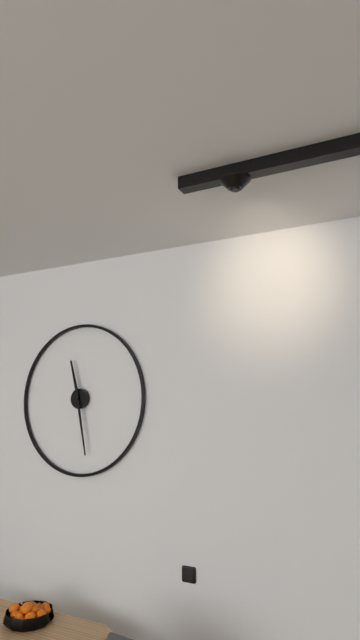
11:28
